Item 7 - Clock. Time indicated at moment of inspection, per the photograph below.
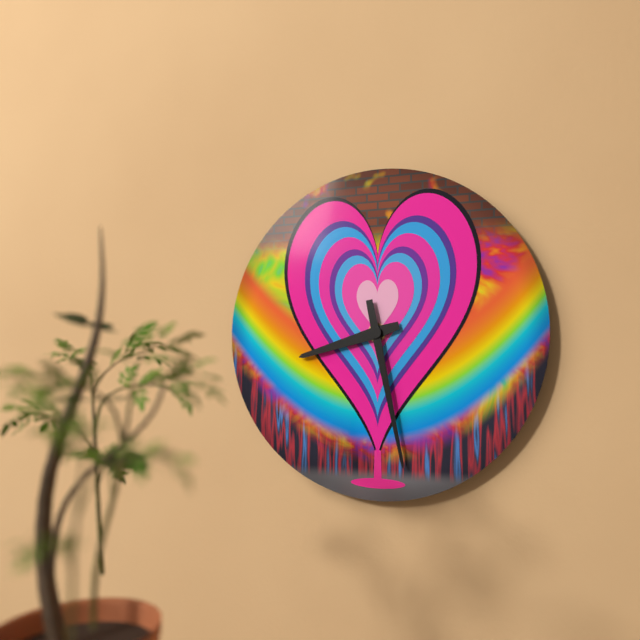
8:28
